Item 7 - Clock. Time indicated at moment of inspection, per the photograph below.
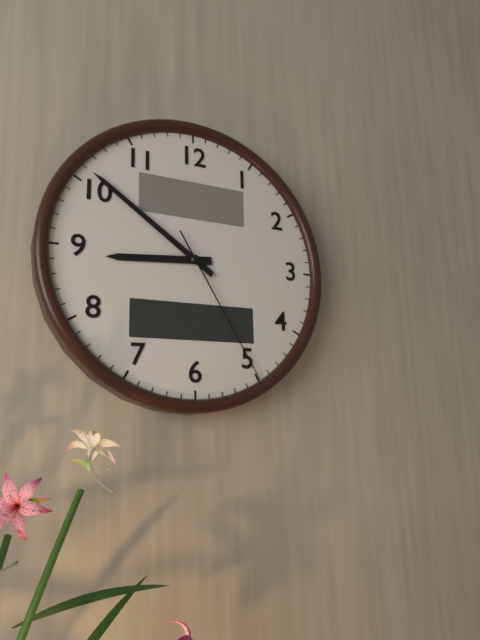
8:51:25
